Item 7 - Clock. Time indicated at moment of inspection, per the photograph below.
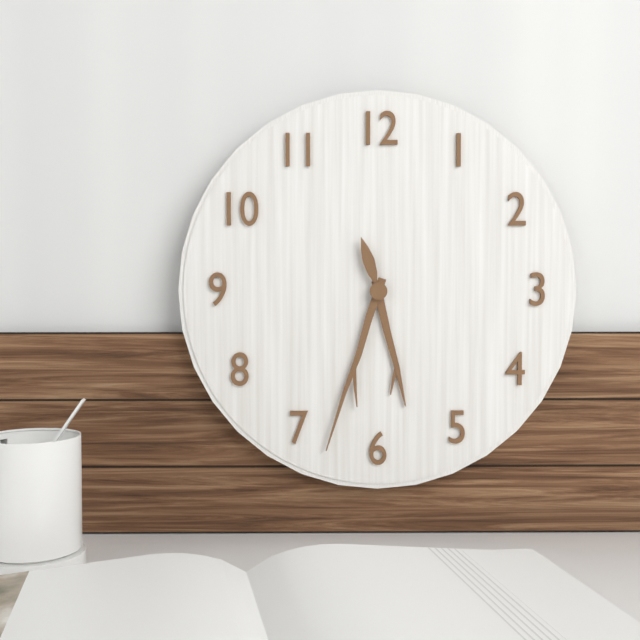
5:33:57
